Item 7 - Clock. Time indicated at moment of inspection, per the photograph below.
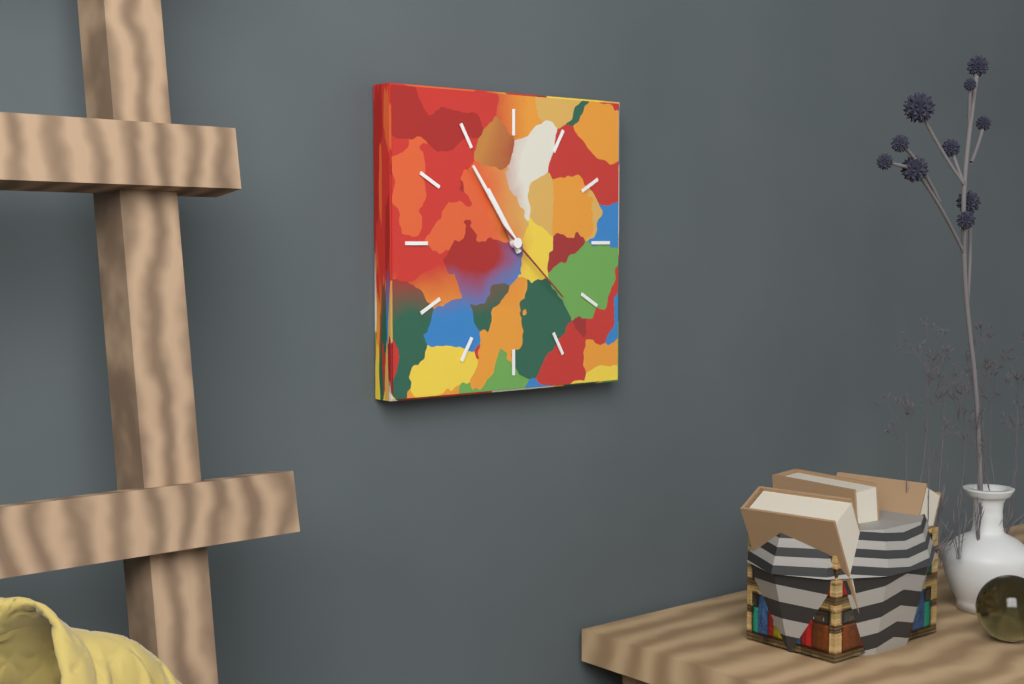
10:54:22
